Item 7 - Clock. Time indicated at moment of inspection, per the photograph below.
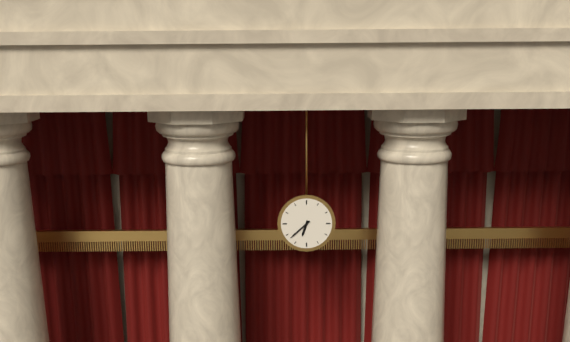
6:38
